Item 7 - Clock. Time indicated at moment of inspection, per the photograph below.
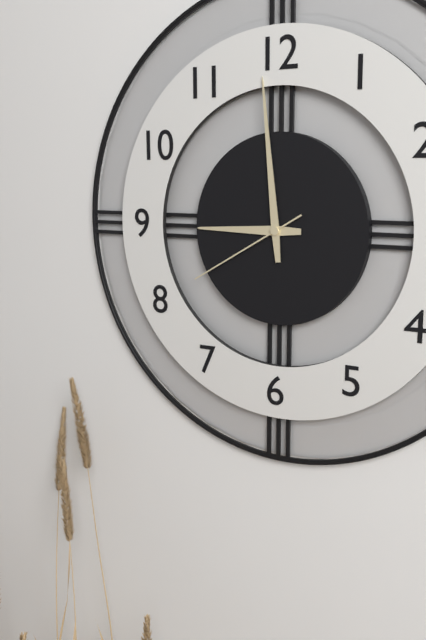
8:59:40
